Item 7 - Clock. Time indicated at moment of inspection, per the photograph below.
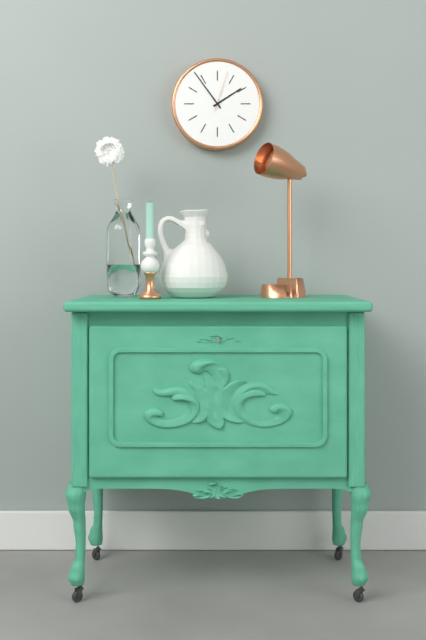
1:54
